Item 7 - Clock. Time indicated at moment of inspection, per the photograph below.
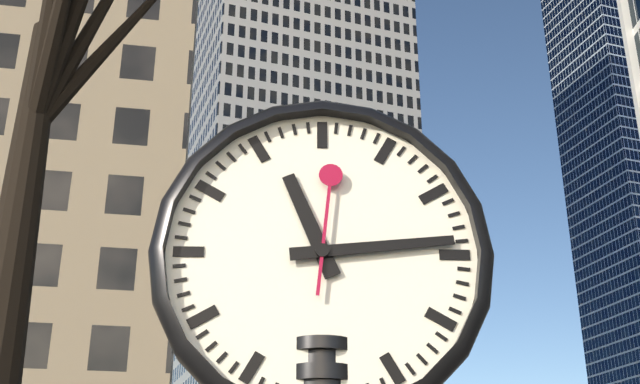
11:14:01
